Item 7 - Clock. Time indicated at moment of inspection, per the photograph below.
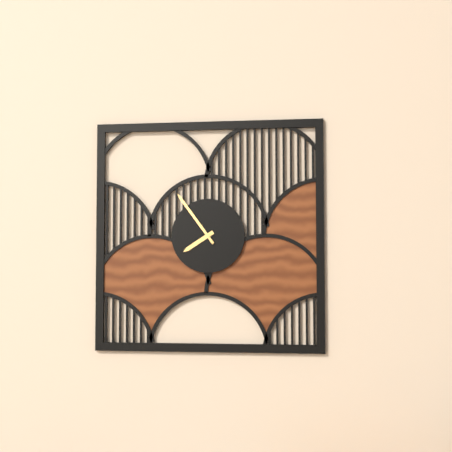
7:54
